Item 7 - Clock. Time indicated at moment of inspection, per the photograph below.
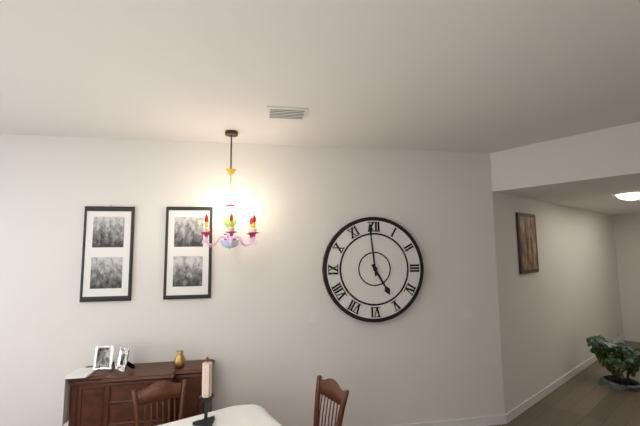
4:59
